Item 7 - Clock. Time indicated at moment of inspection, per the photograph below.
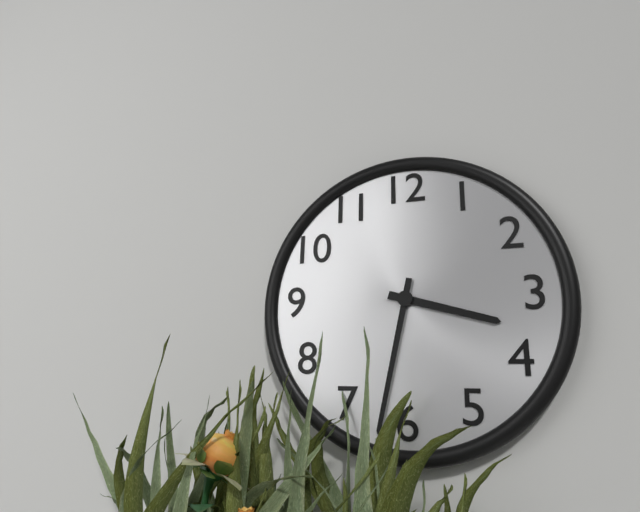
3:32
